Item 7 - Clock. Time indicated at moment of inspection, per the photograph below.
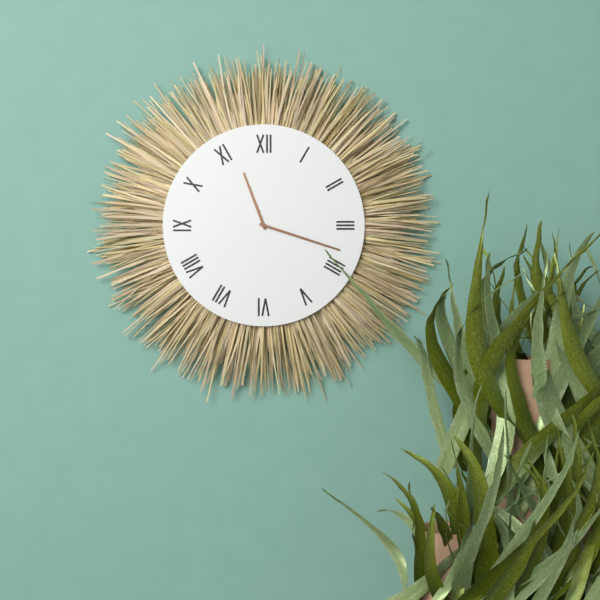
11:18
